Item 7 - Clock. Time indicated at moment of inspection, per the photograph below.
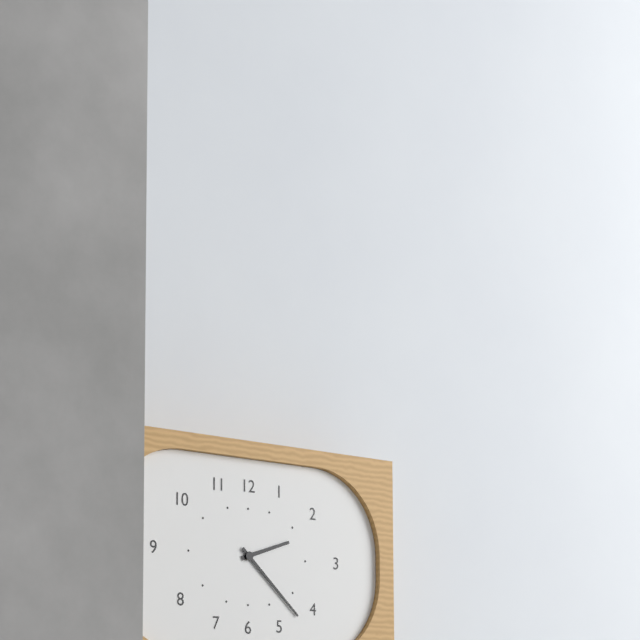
2:22
